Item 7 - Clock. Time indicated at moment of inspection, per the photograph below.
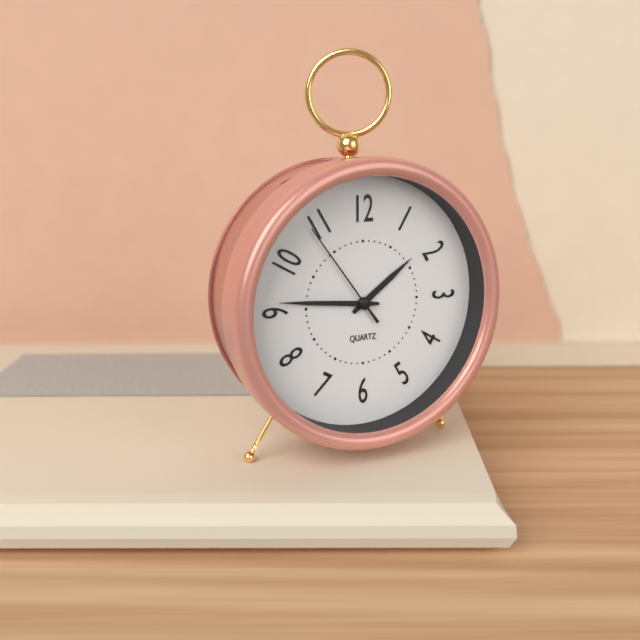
1:46:54
